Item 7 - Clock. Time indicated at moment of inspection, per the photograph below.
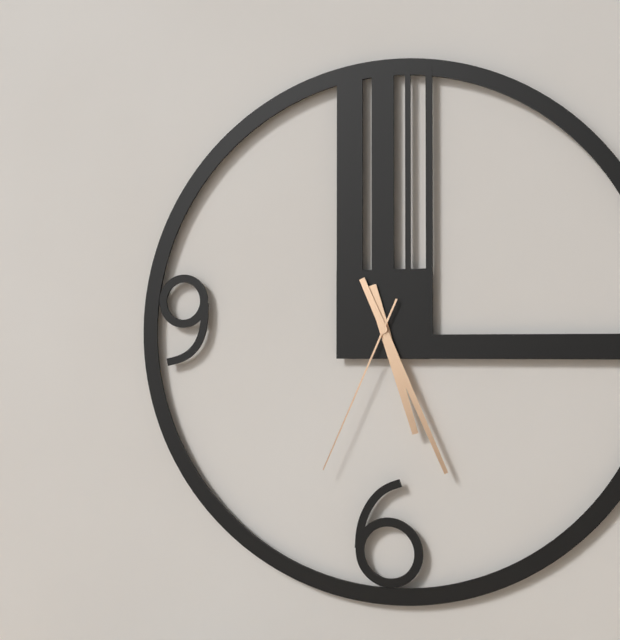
5:26:34
